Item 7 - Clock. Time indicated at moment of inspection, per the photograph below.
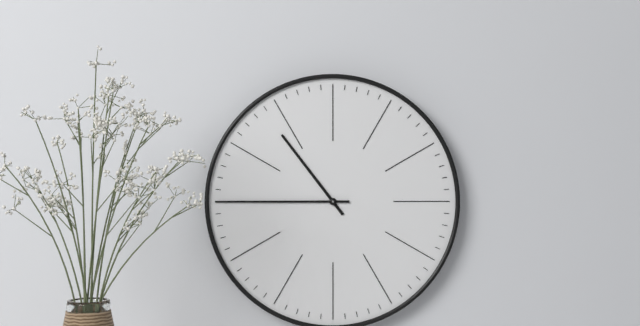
10:45
